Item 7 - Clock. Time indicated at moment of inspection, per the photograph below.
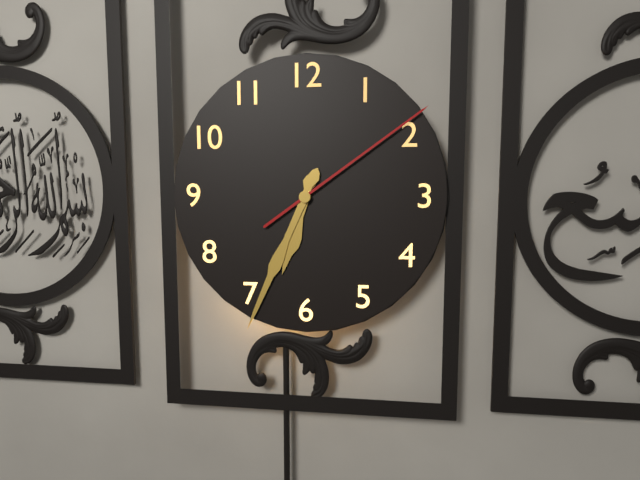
6:34:09
